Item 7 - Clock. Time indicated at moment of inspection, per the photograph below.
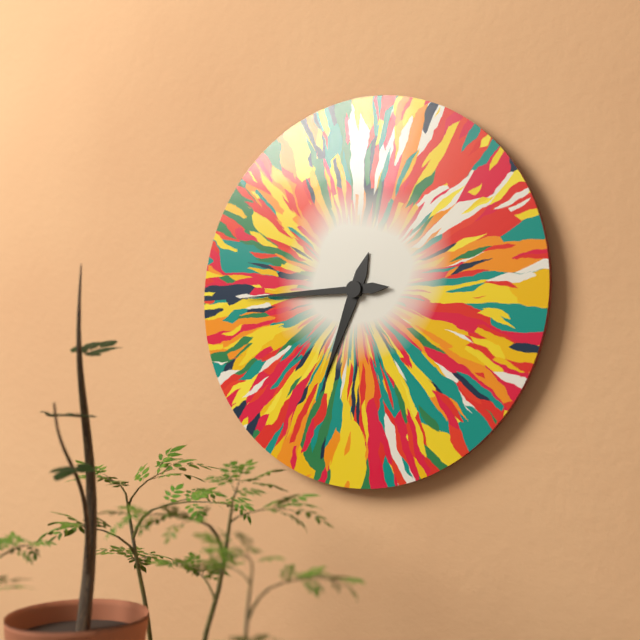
6:45
